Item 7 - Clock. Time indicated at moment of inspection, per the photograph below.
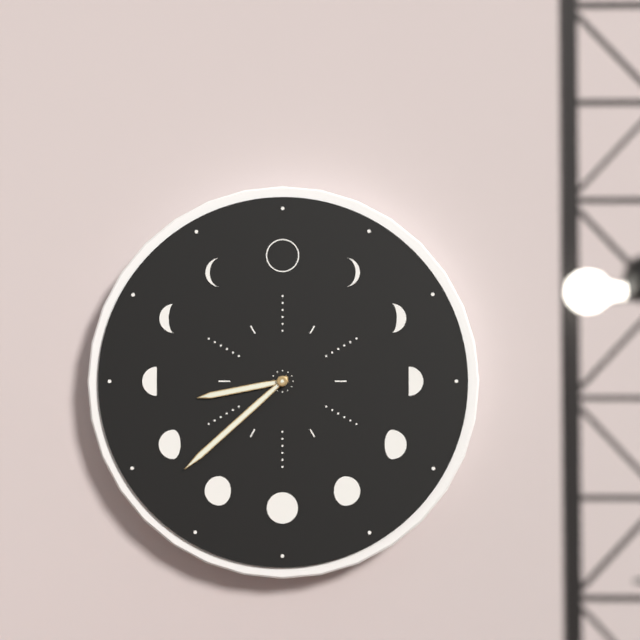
8:38
